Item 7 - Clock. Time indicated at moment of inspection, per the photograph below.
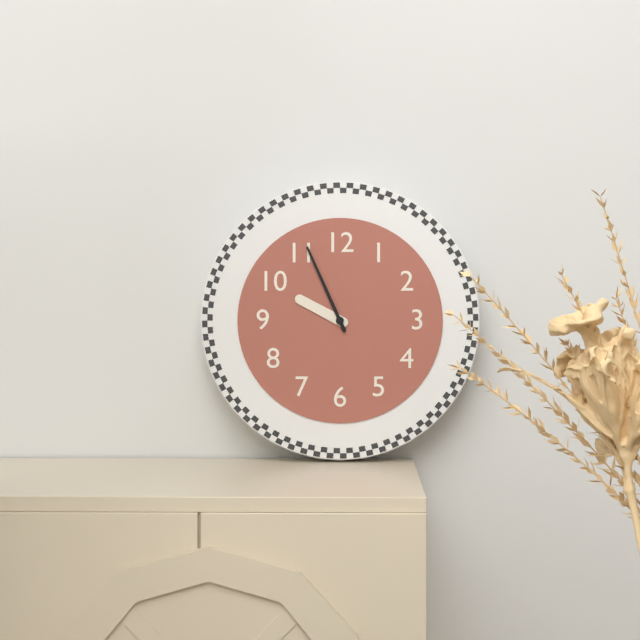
9:56
